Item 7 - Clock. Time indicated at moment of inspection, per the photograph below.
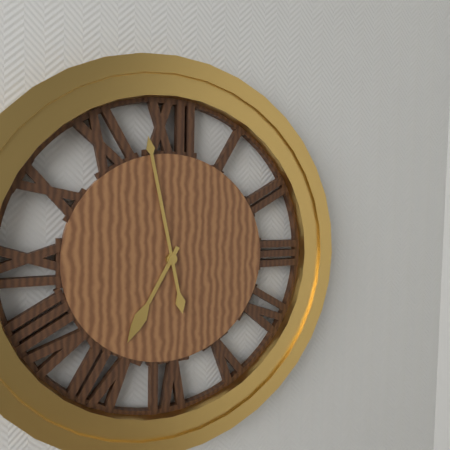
6:58
